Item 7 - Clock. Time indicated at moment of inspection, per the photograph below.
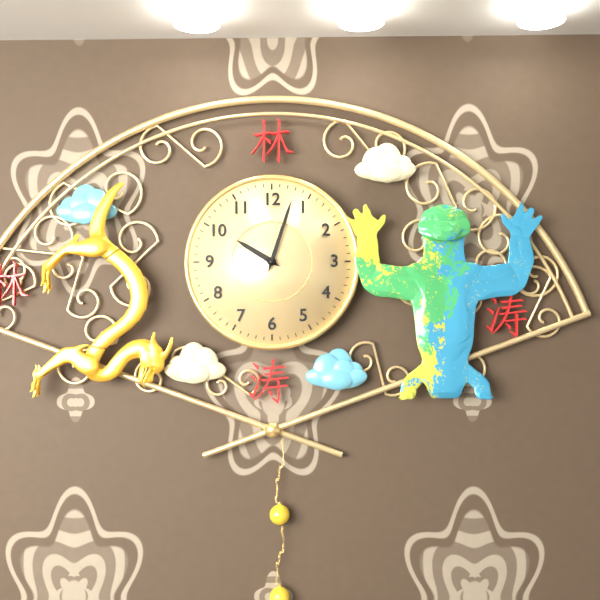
10:03
